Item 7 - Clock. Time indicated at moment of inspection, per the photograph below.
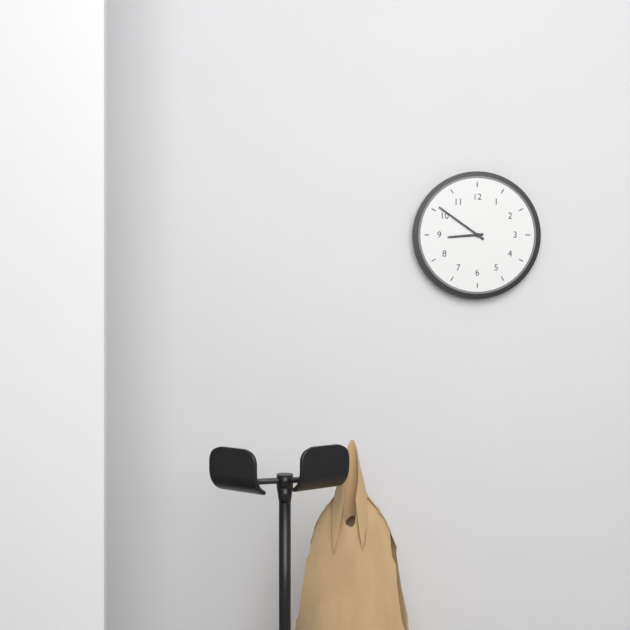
8:51
